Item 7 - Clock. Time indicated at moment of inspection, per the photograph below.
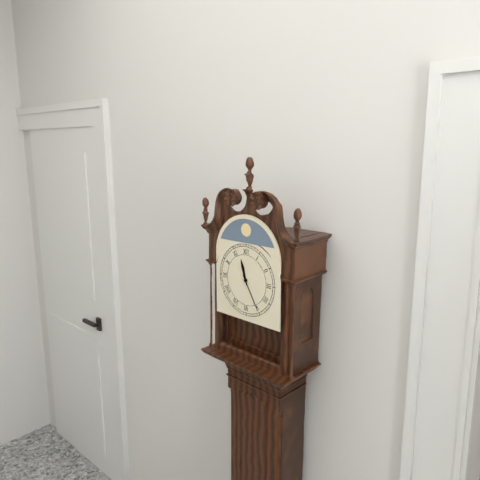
11:25
